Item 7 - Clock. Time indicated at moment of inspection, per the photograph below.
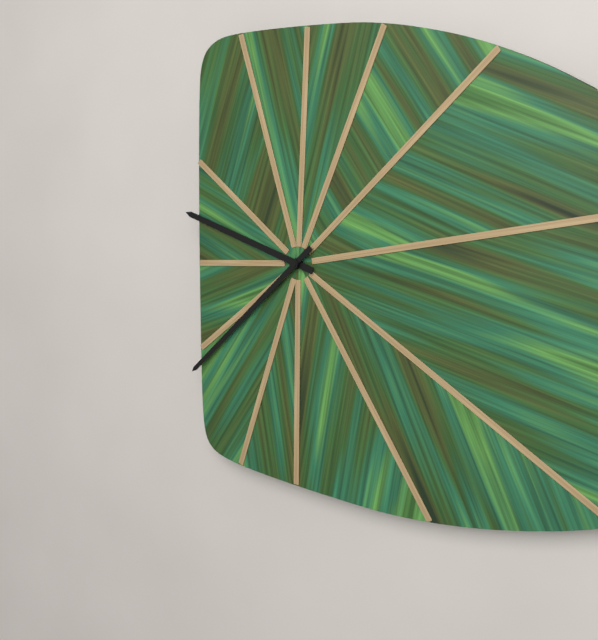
9:38
